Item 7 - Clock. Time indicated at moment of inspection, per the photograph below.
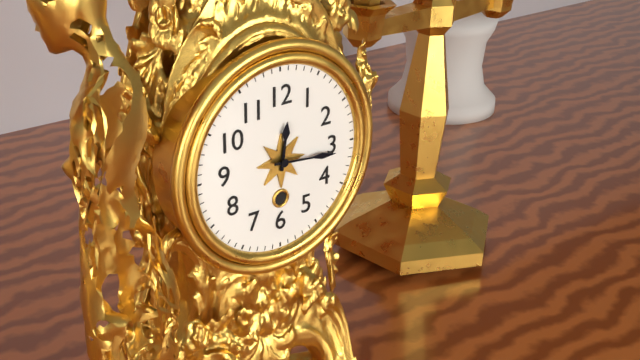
12:16
